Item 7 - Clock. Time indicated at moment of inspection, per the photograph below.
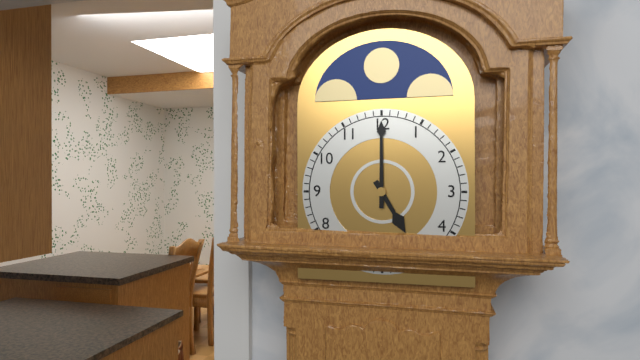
5:00
